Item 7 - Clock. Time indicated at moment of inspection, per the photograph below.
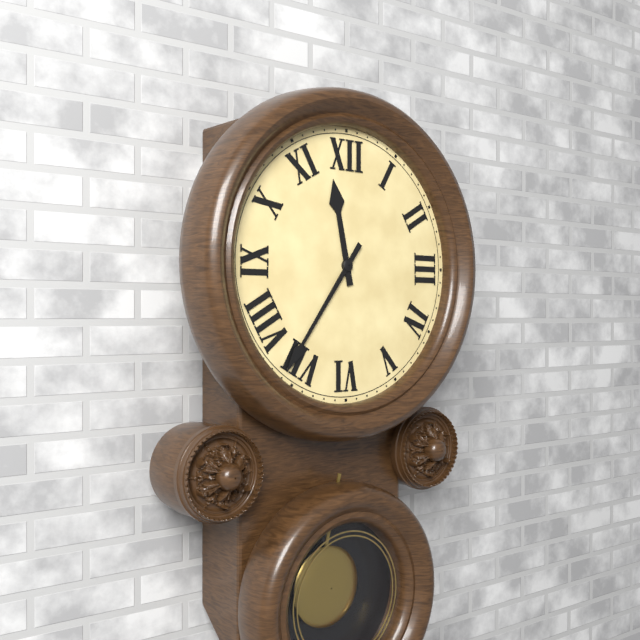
11:36
